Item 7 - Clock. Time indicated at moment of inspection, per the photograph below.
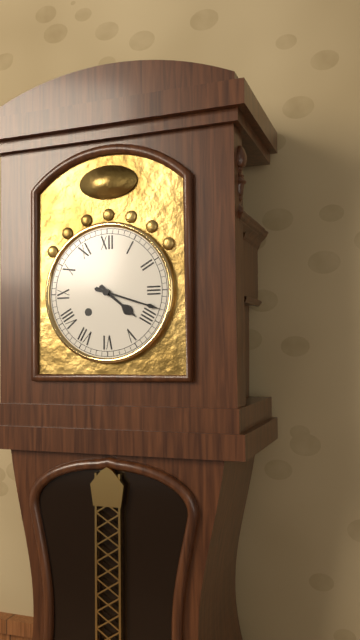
4:18
